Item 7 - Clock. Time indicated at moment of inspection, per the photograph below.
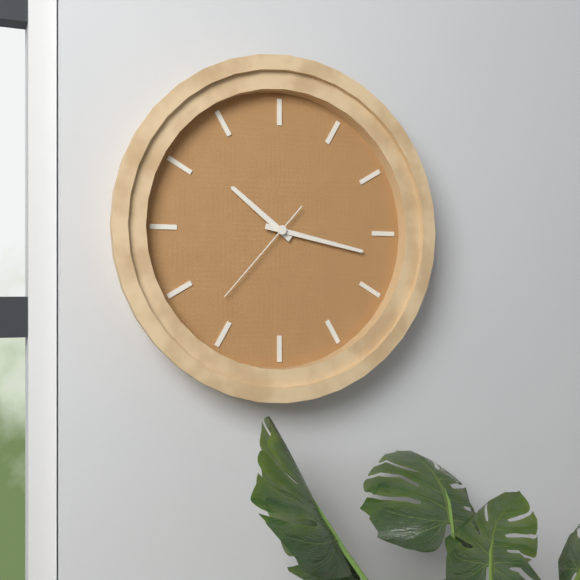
10:17:37
